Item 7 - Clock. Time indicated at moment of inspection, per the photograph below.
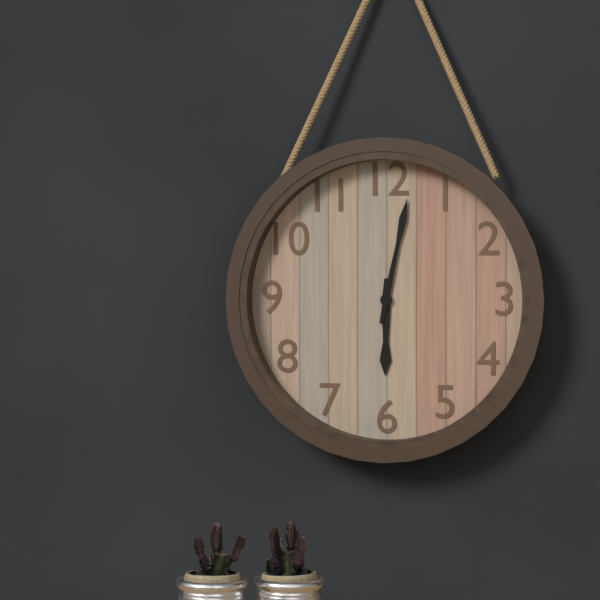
6:02
